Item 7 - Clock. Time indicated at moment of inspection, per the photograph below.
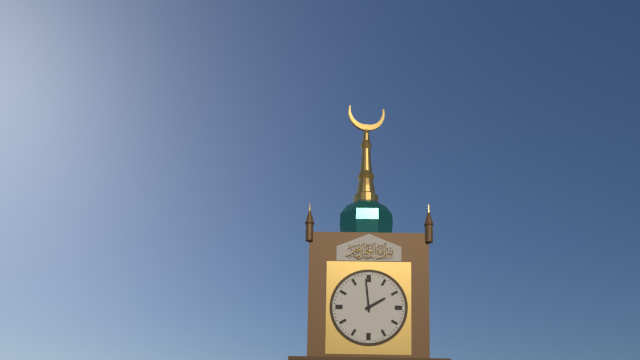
1:59
